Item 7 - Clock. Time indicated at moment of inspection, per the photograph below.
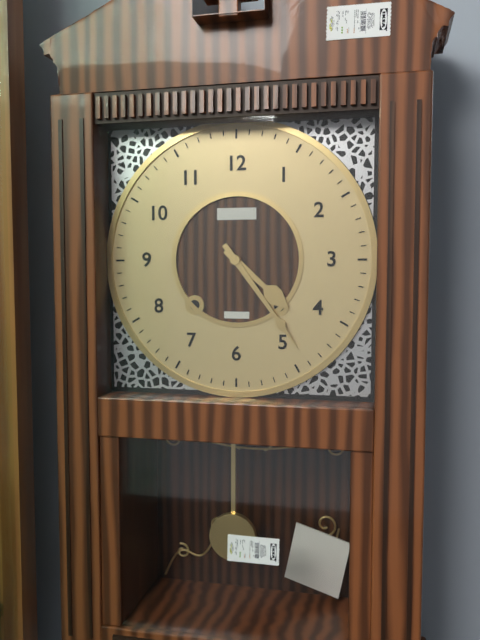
4:24
